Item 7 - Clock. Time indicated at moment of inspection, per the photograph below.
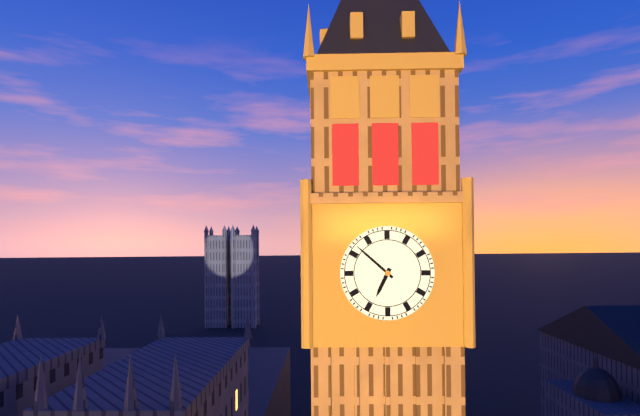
6:52
